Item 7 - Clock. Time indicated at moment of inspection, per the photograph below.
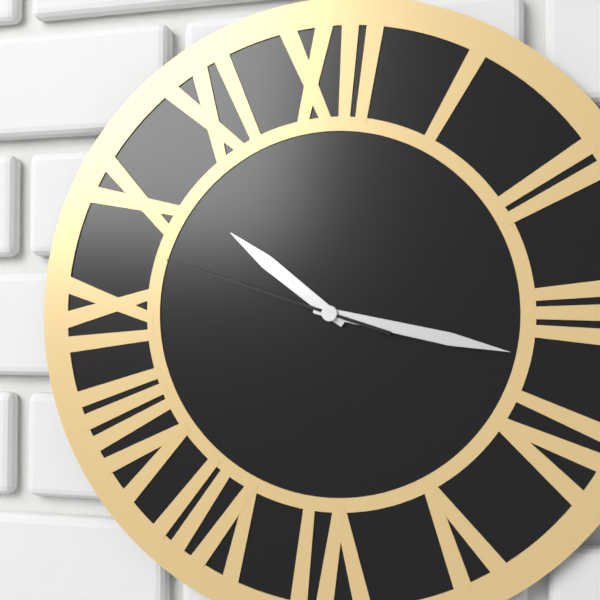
10:17:48
